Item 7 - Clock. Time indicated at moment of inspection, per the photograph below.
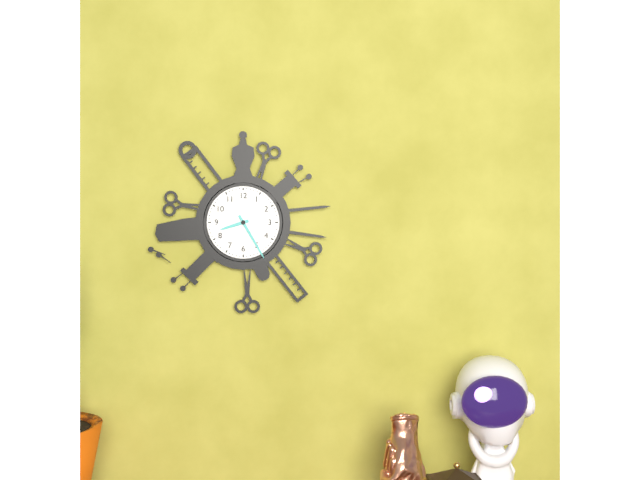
8:25
